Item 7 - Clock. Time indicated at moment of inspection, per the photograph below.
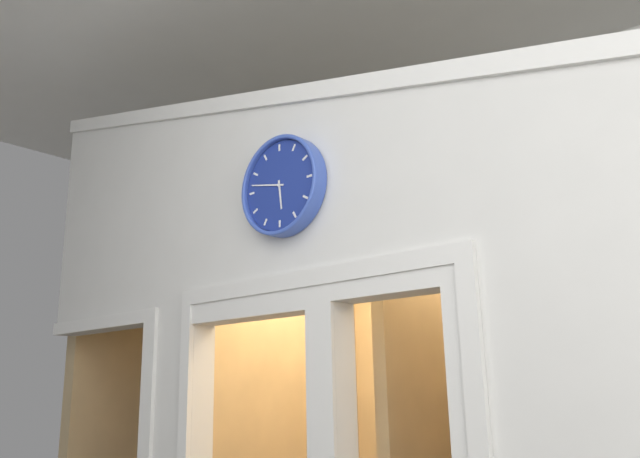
5:47
